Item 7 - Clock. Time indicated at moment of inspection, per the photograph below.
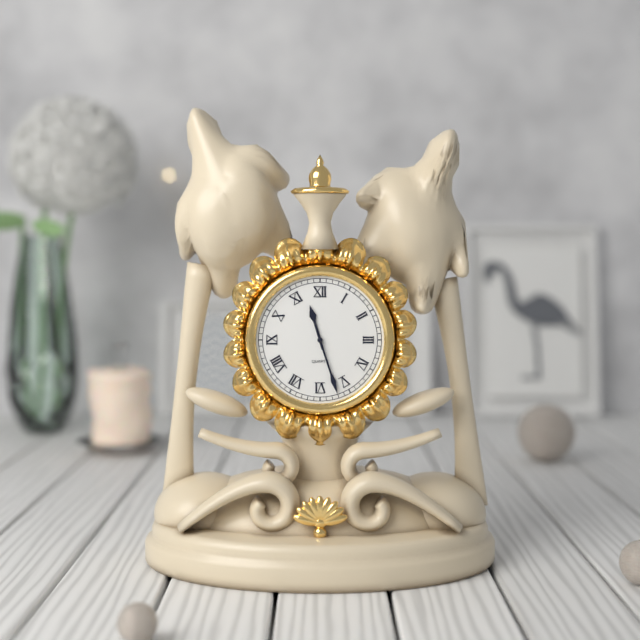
11:27
